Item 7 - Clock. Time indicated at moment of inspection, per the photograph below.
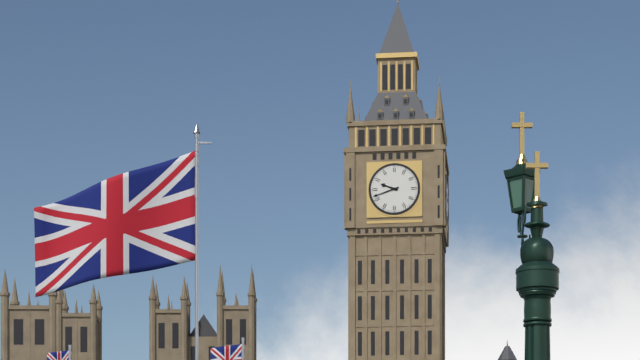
9:42
